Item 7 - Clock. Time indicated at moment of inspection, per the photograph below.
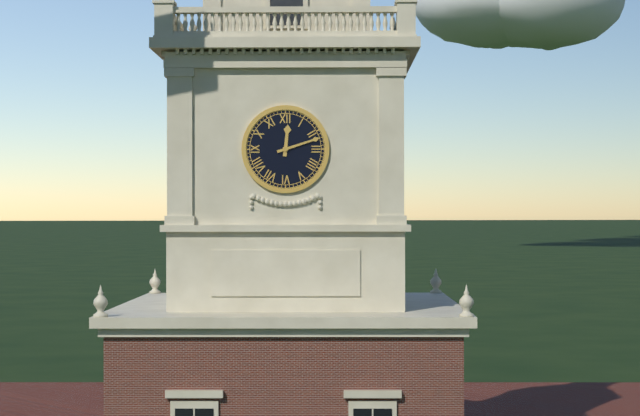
12:12
